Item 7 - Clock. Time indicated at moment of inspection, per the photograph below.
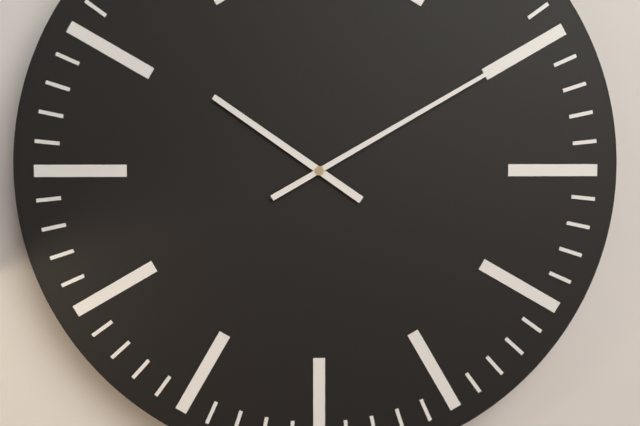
10:10
